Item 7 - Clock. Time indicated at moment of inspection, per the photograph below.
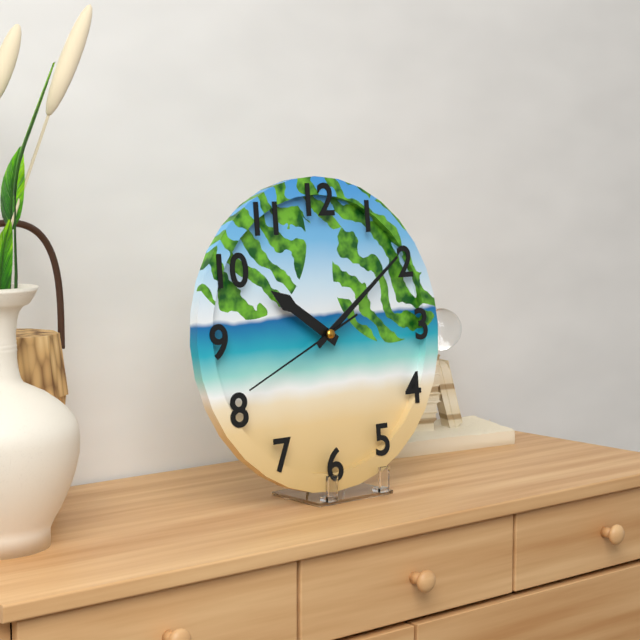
10:09:41
